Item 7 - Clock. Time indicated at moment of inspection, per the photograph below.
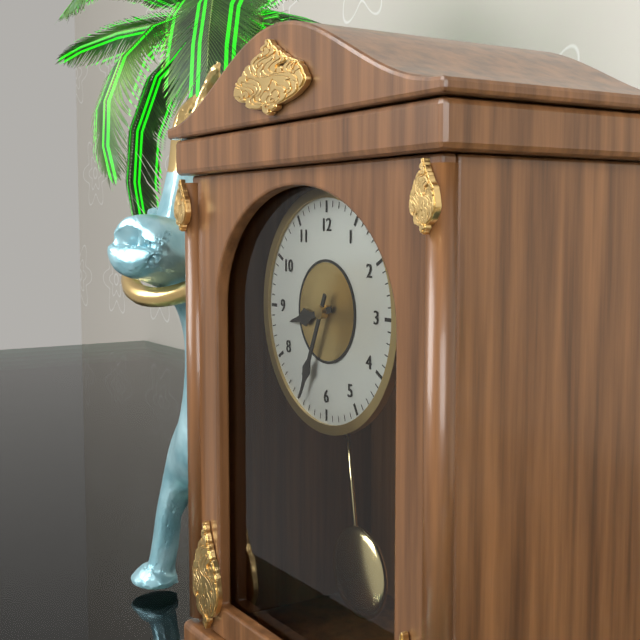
8:34
